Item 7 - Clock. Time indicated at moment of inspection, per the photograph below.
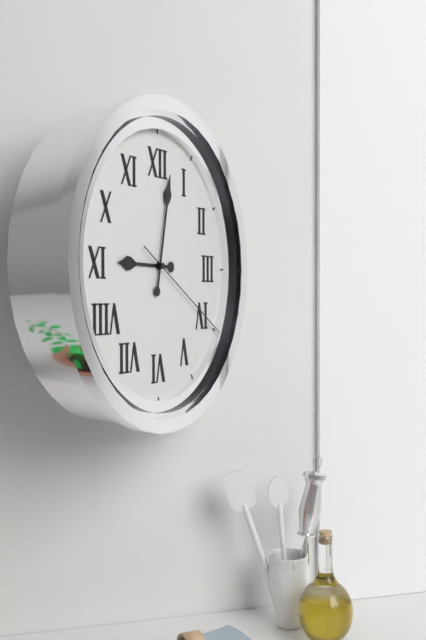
9:02:20
